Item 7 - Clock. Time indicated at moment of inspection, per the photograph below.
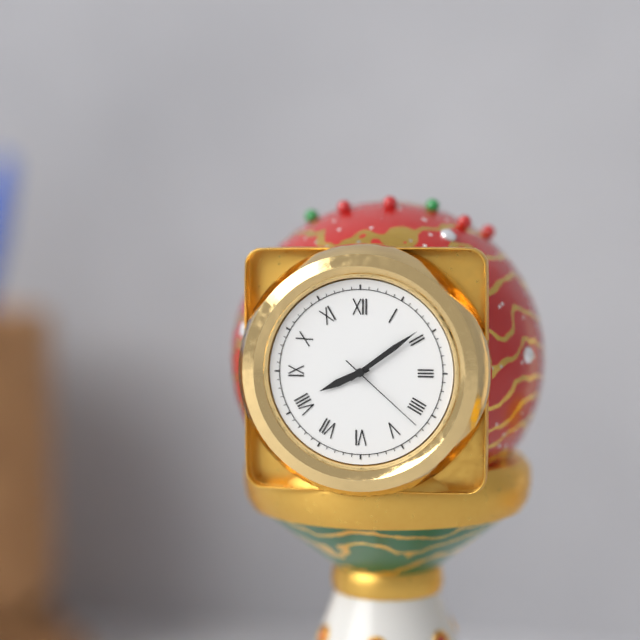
8:09:22
